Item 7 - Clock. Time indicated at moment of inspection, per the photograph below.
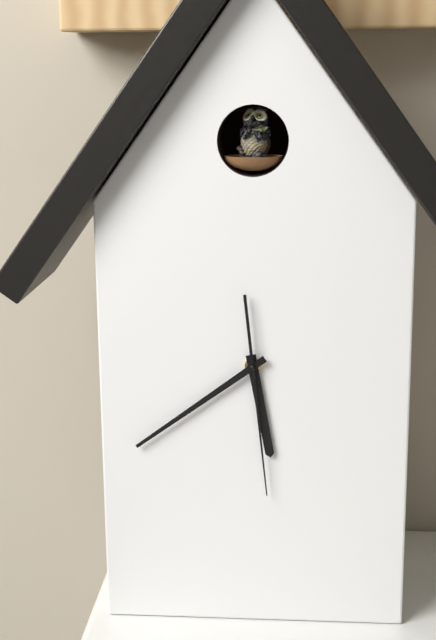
5:39:29
